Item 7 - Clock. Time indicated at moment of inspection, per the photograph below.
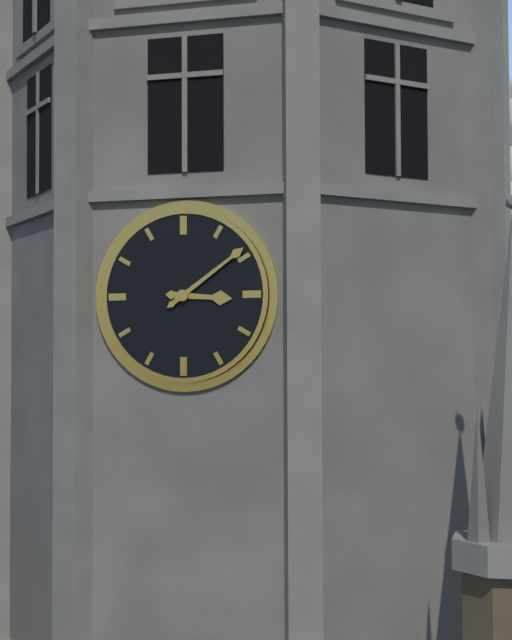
3:09
